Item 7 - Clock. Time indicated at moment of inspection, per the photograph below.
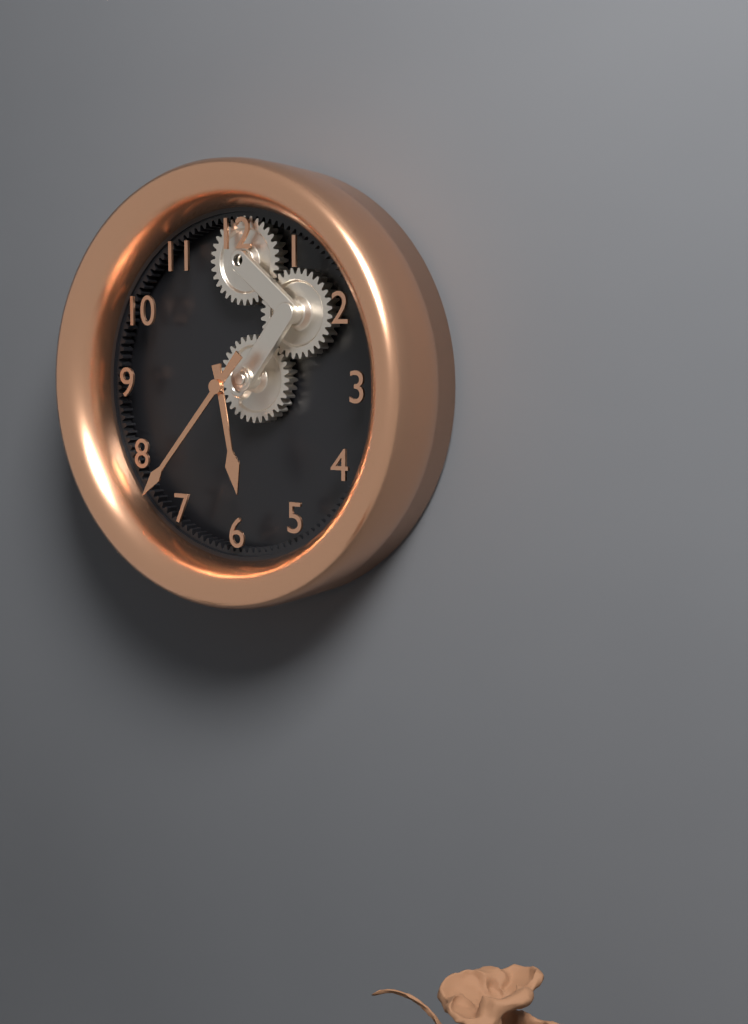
5:37
